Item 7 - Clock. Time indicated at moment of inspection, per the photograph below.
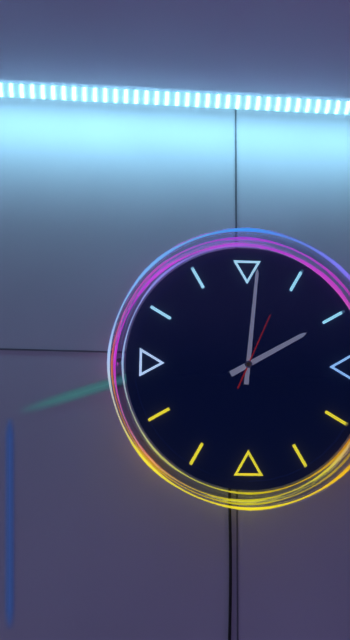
2:01:04
